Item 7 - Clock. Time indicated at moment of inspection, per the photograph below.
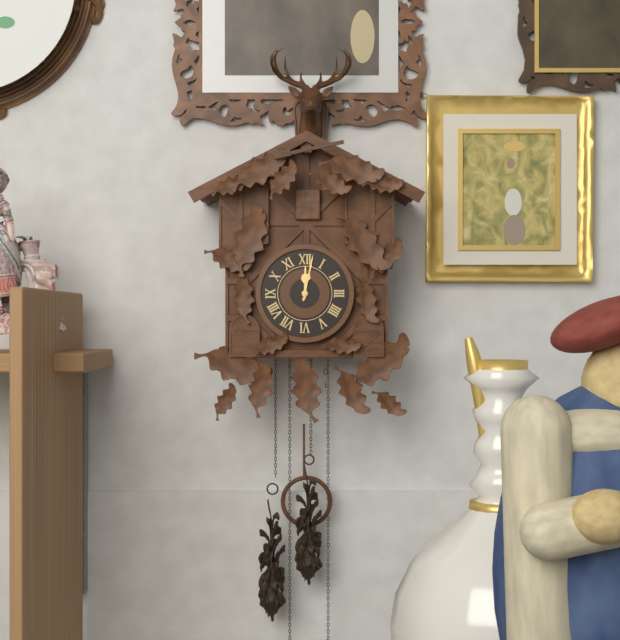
12:02
